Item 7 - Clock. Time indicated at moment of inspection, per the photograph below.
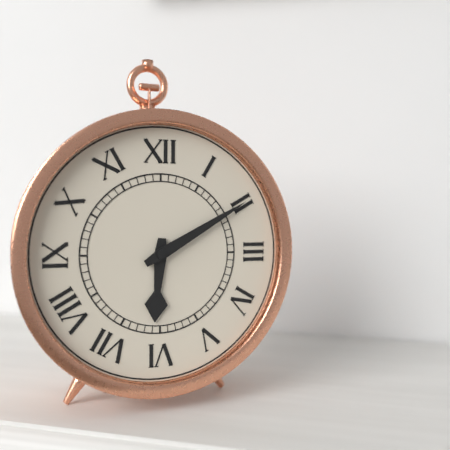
6:10
